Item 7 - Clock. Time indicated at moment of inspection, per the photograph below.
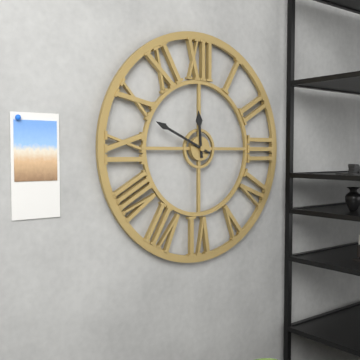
11:49
